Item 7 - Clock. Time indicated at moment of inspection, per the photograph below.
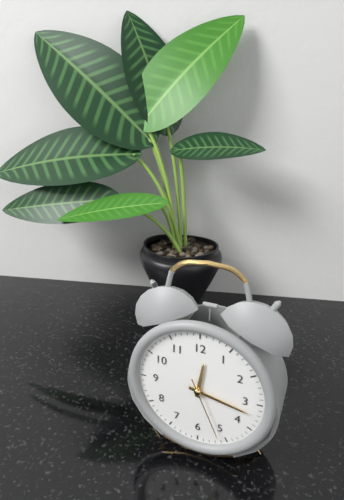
12:17:26
